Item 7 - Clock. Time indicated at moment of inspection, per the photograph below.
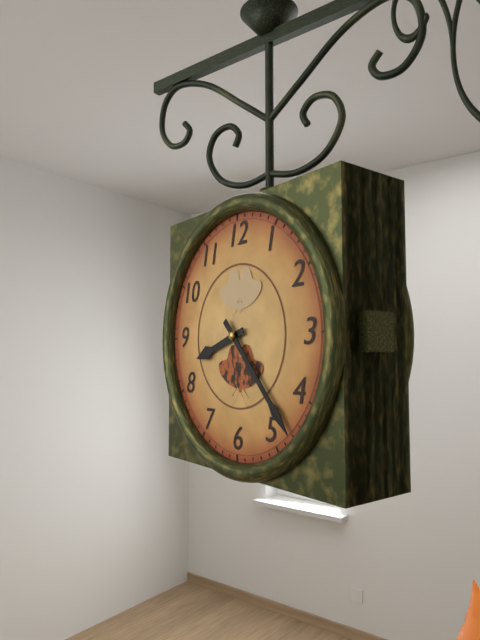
8:23
